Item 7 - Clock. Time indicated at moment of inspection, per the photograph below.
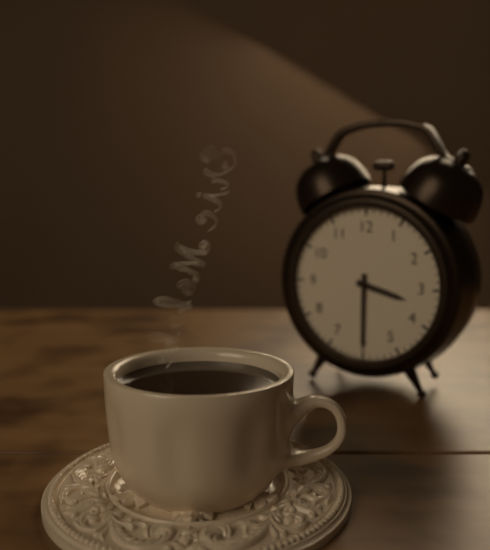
3:30
